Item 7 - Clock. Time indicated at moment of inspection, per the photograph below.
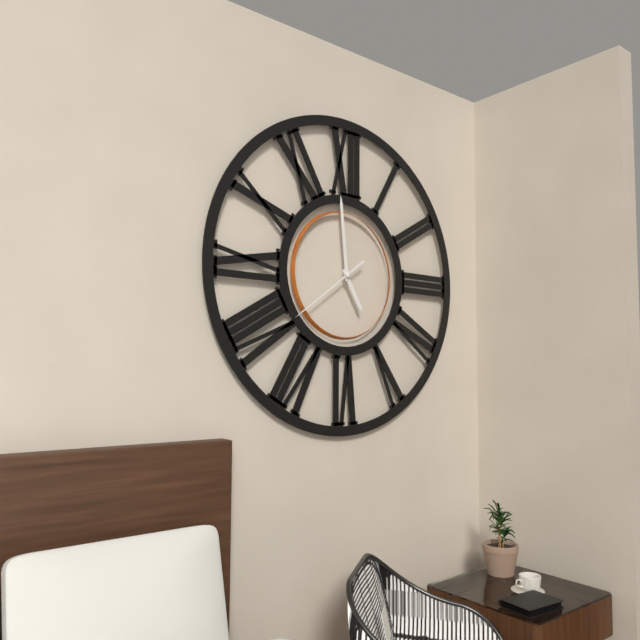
4:59:39
